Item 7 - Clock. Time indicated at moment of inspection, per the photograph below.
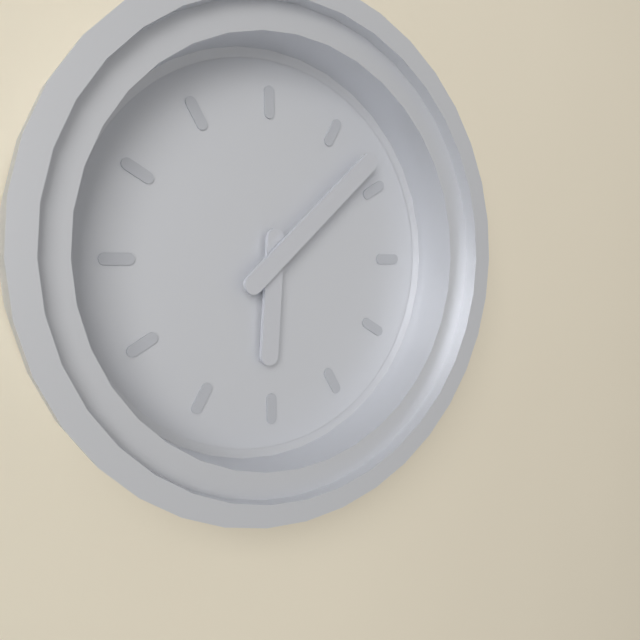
6:08
